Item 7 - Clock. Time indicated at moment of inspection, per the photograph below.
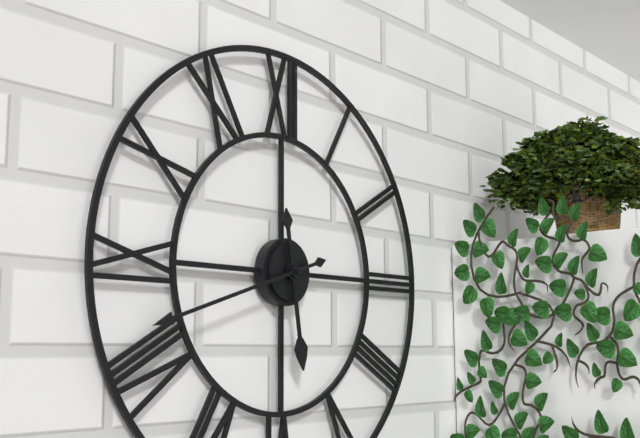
5:42
